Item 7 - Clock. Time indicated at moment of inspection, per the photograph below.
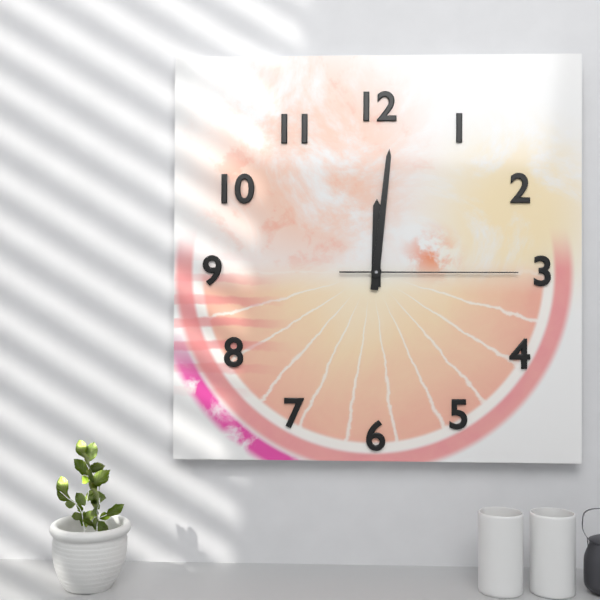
12:01:15
